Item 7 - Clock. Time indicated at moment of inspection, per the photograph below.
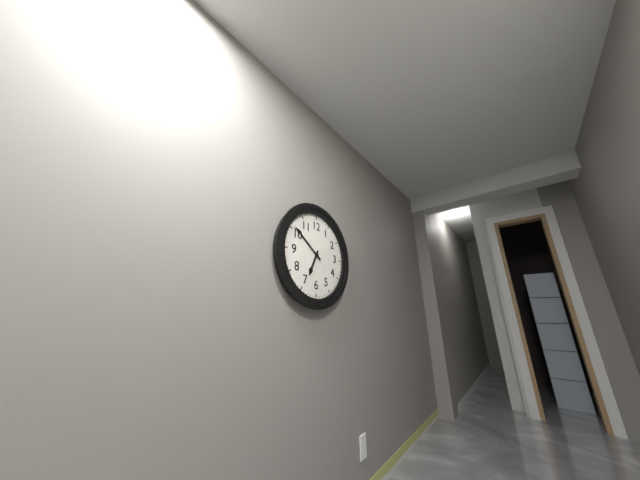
6:51
